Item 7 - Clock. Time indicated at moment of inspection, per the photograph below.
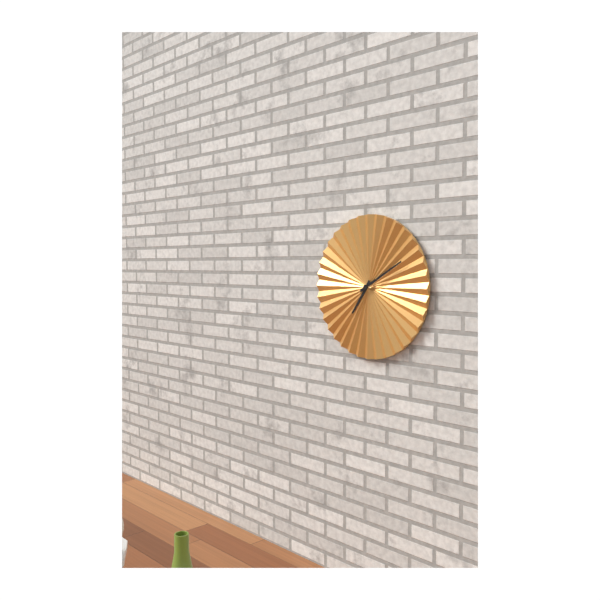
7:10
